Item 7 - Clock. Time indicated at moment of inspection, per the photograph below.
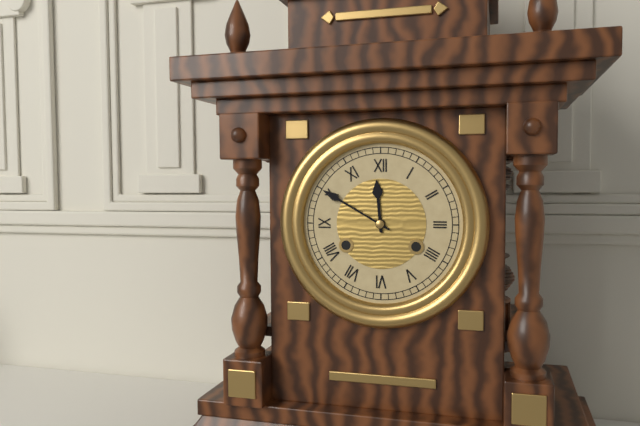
11:50
